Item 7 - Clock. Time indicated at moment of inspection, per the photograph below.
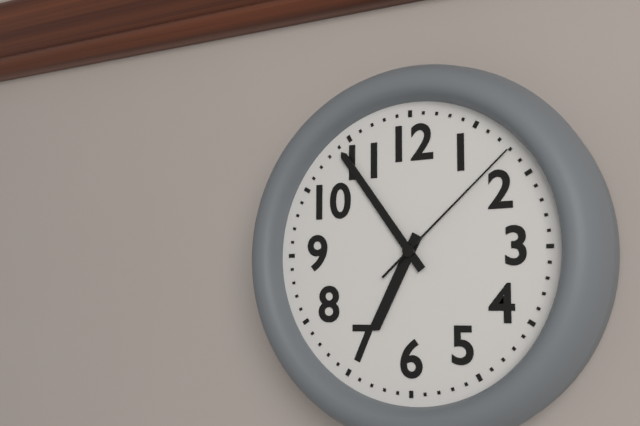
6:54:08
